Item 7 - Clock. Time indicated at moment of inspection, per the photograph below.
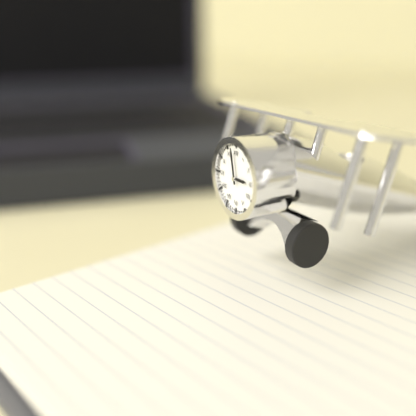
2:58
